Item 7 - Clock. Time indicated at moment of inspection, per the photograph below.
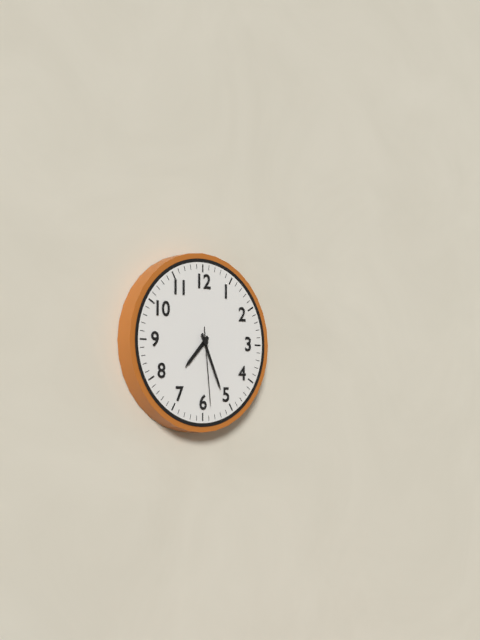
7:26:29
